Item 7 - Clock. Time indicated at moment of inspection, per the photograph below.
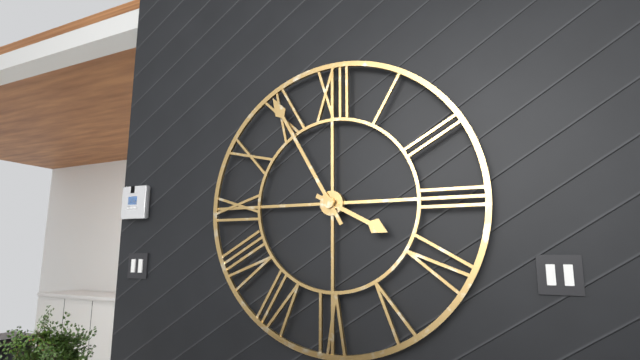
3:55
